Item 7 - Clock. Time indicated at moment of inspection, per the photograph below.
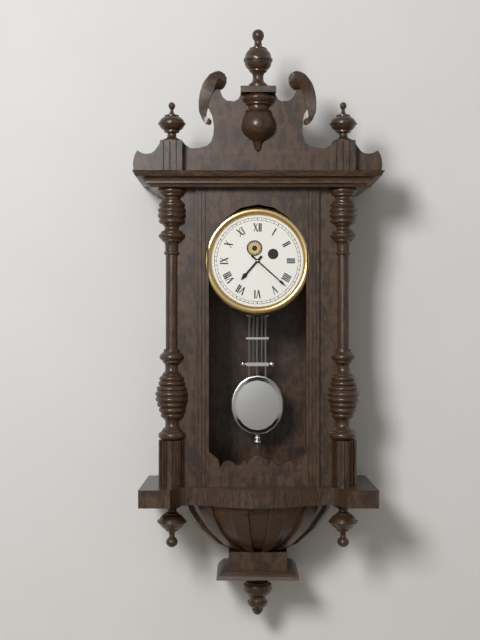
7:22
